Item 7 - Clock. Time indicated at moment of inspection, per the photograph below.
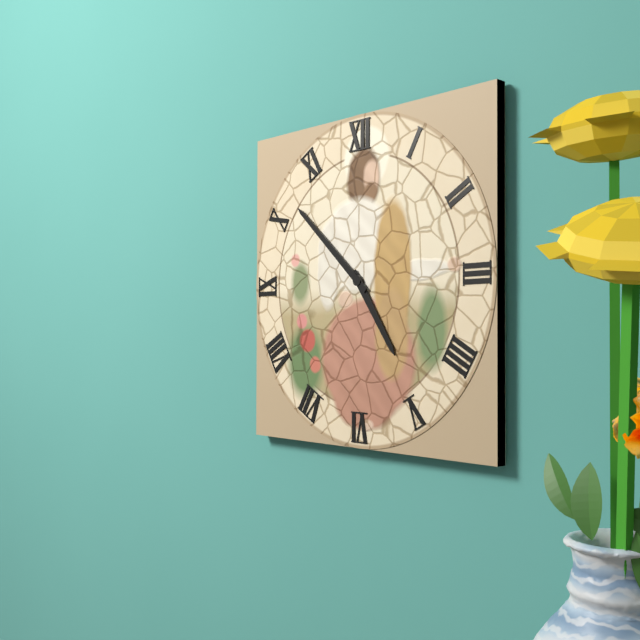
4:52
